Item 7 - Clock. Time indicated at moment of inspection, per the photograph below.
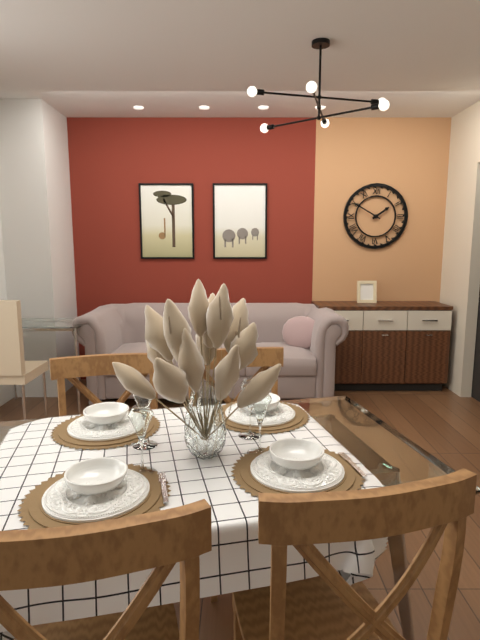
1:50
